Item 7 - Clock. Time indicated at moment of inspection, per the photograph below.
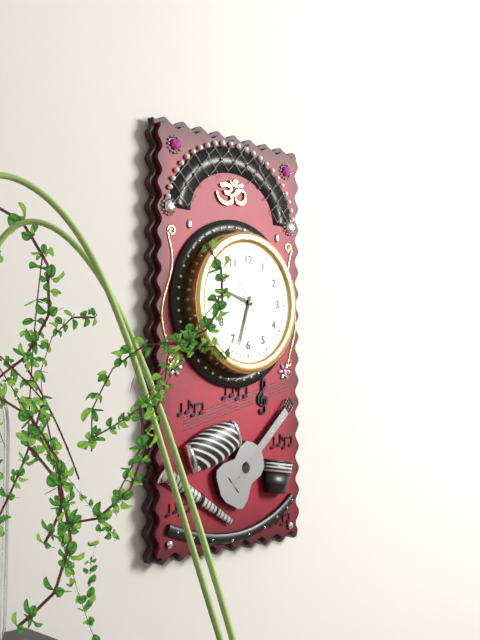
9:33:54
